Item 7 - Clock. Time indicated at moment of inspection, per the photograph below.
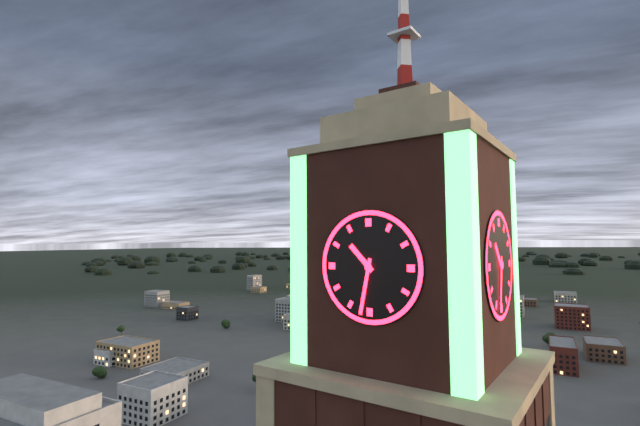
10:32
